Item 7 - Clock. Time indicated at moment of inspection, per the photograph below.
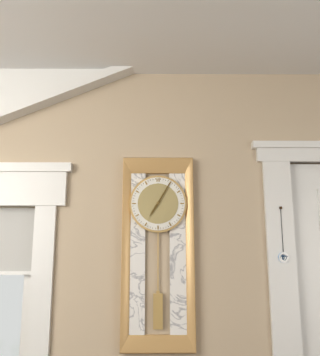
7:05
